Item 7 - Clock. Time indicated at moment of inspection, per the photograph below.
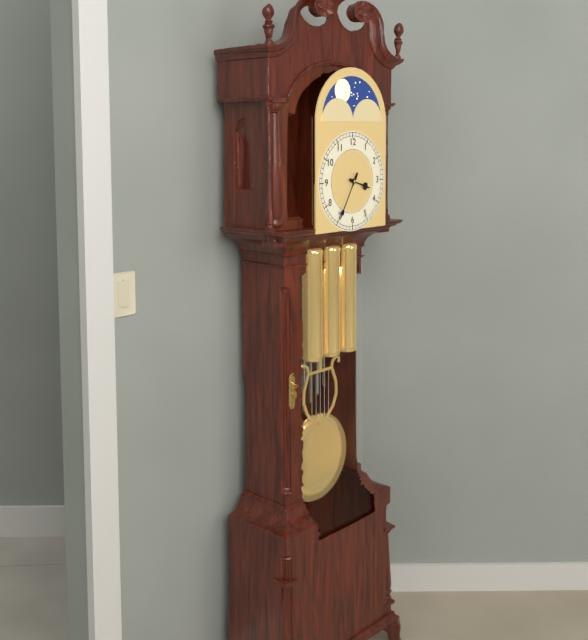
3:35
